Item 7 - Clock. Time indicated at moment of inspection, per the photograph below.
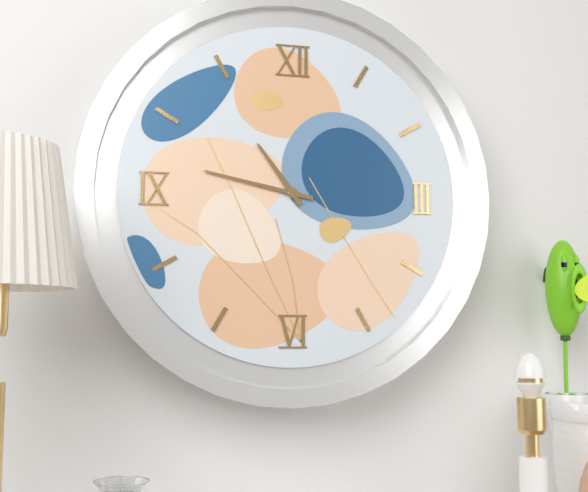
10:47
